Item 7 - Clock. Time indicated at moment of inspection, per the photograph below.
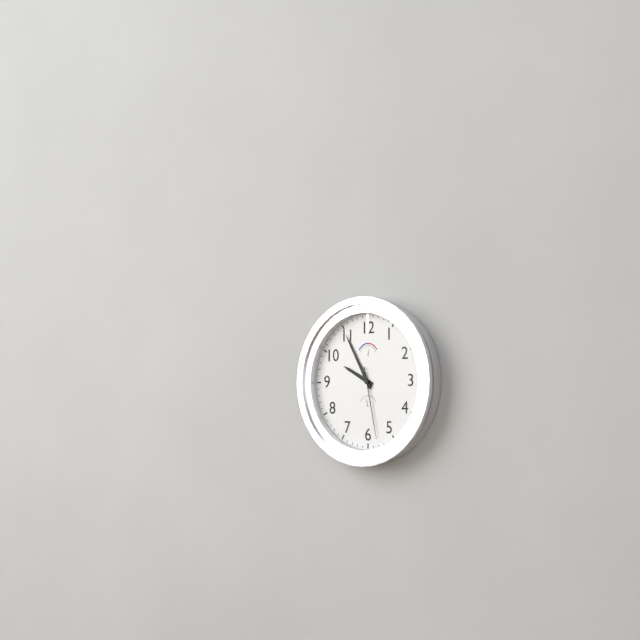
9:55:28
